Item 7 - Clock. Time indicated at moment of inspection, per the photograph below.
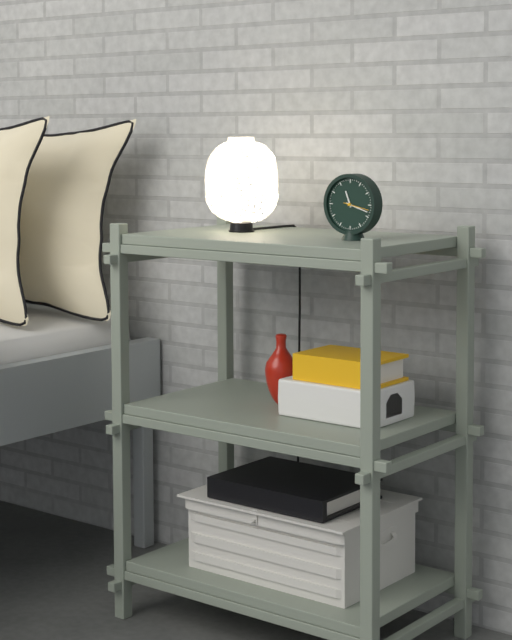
11:18
